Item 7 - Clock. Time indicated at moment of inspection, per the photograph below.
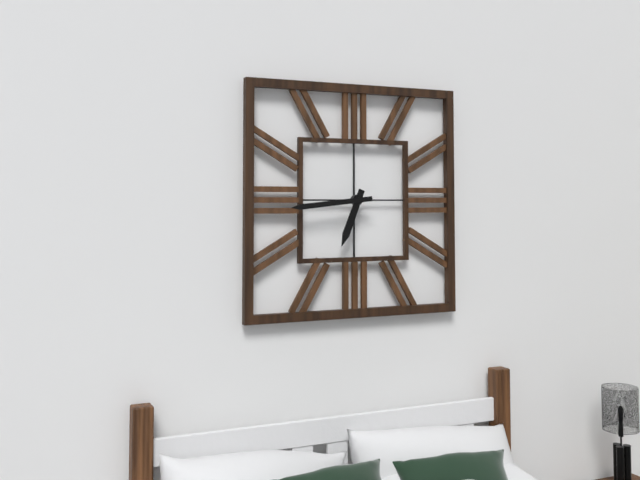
6:44
